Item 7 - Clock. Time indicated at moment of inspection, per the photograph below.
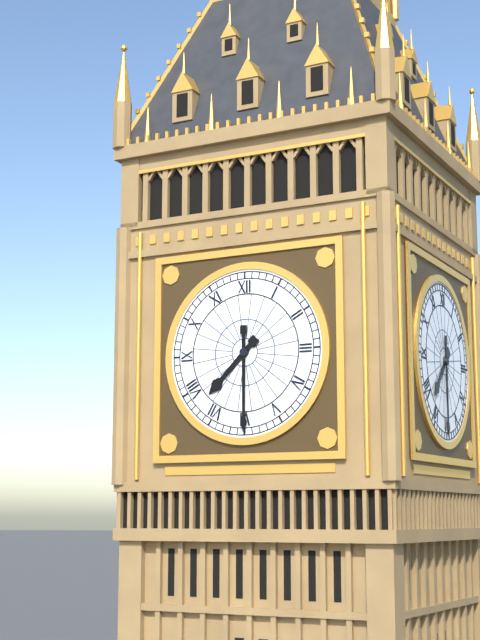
7:30
